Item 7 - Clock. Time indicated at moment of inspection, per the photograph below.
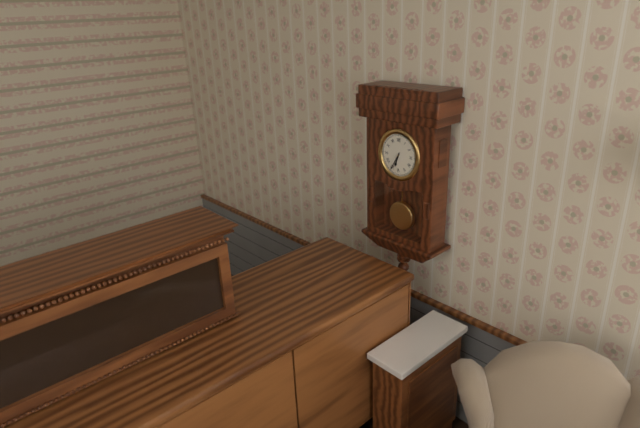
6:35
